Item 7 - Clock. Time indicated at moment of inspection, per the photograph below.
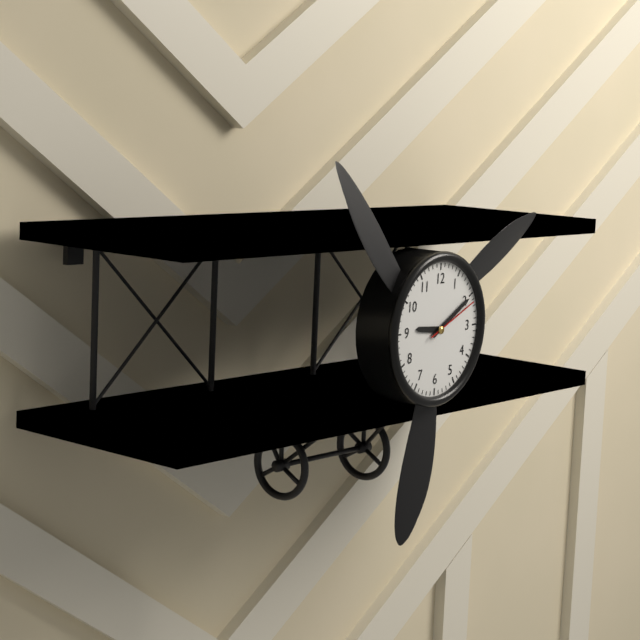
9:10:11
